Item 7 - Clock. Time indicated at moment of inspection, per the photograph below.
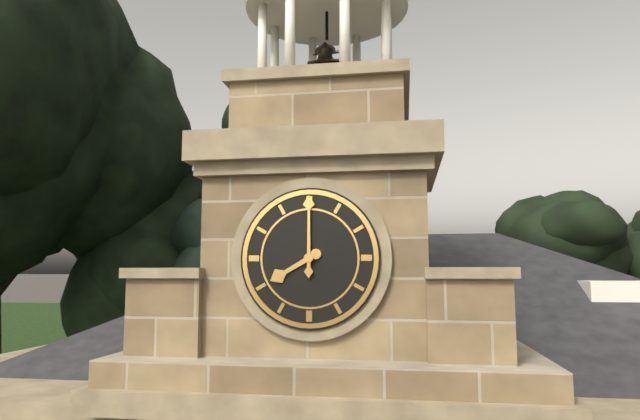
8:00
